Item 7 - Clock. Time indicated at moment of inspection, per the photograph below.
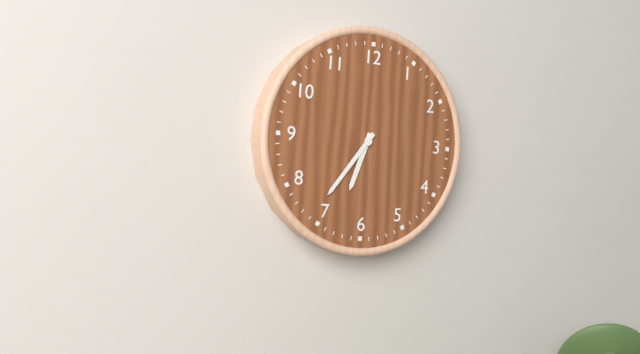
6:36
